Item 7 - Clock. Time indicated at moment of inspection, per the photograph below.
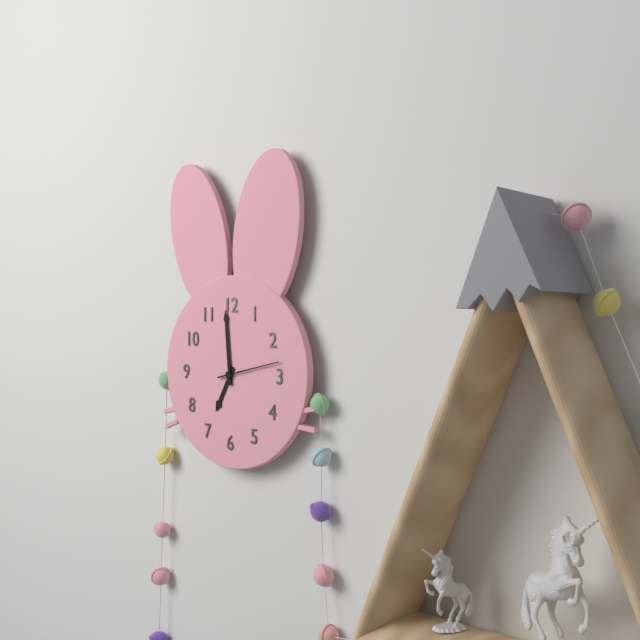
6:59
